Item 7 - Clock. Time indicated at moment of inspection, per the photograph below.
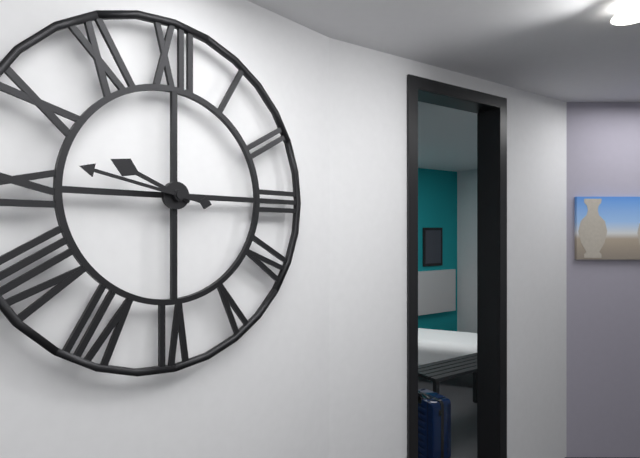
9:47
